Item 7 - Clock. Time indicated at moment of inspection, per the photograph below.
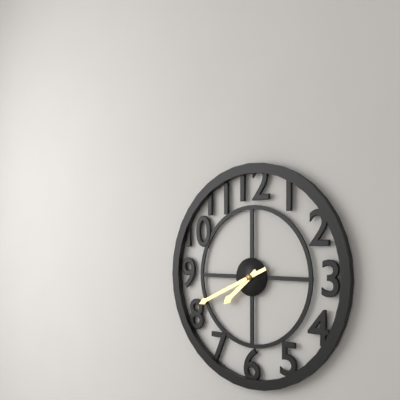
7:41
